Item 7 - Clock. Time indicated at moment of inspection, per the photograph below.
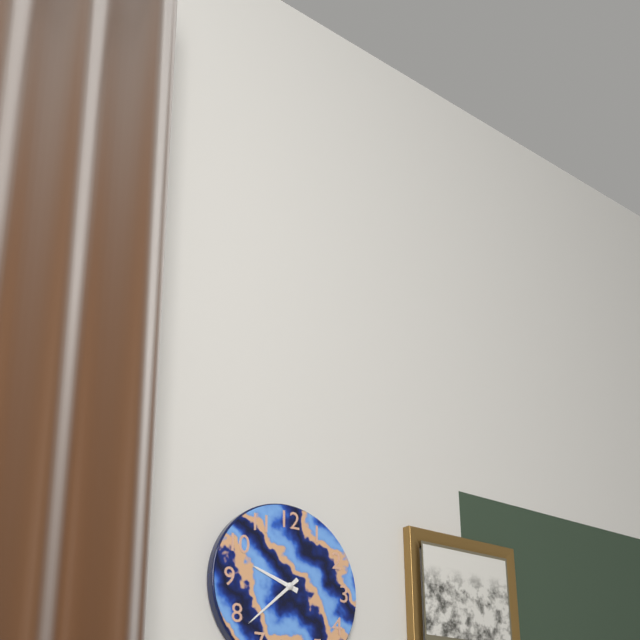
9:38
